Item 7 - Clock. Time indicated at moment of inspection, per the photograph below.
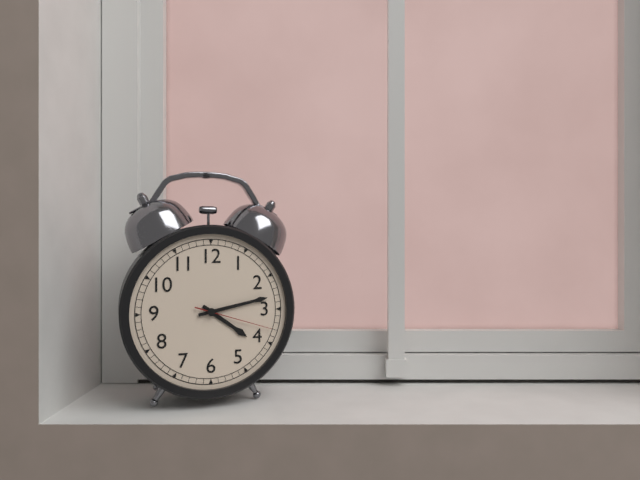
4:13:18
